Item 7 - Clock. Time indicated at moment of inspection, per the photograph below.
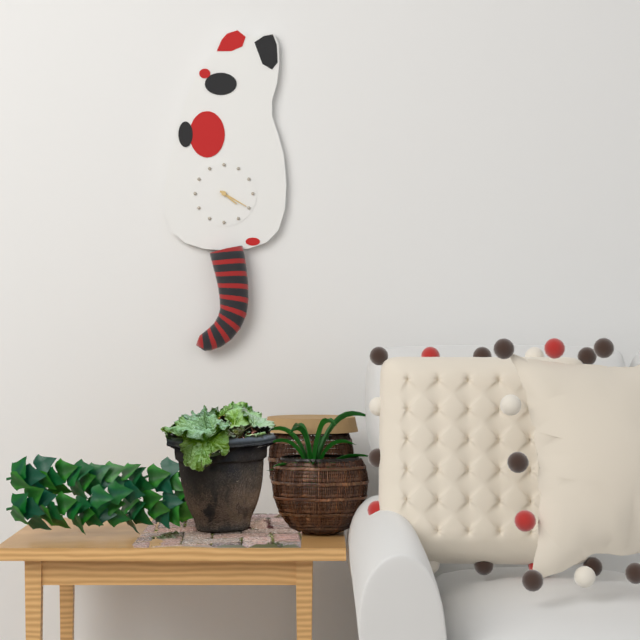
4:20
